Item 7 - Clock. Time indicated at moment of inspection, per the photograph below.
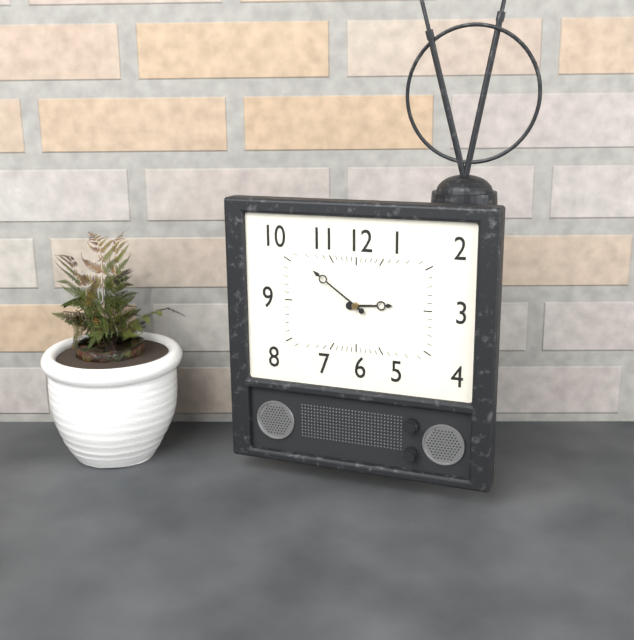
2:51
